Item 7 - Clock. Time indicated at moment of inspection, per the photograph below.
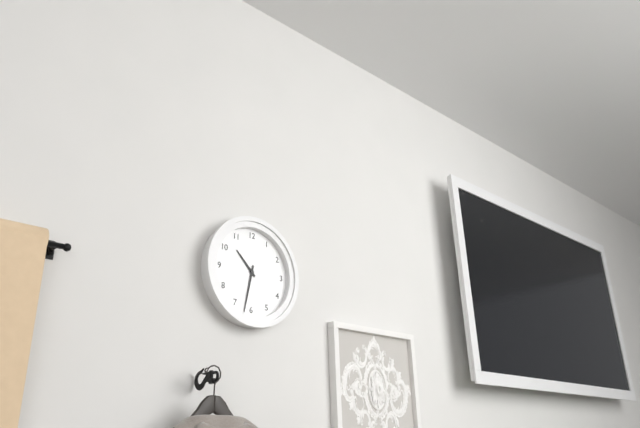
10:32
